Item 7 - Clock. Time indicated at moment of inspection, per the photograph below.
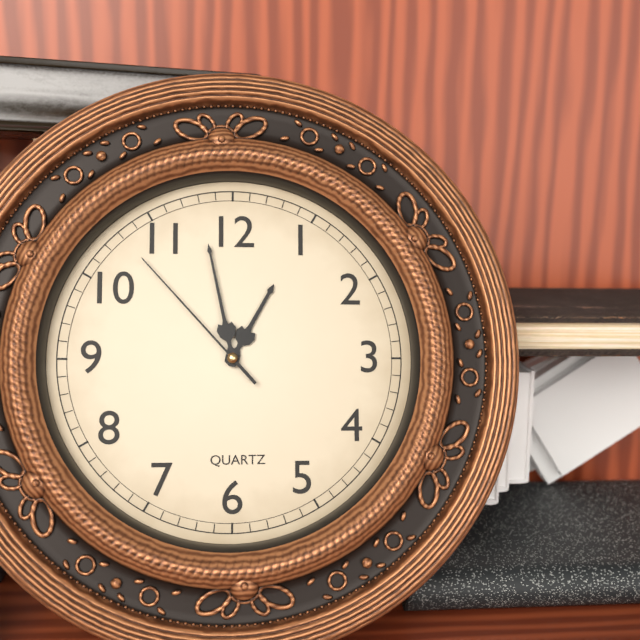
12:58:53
